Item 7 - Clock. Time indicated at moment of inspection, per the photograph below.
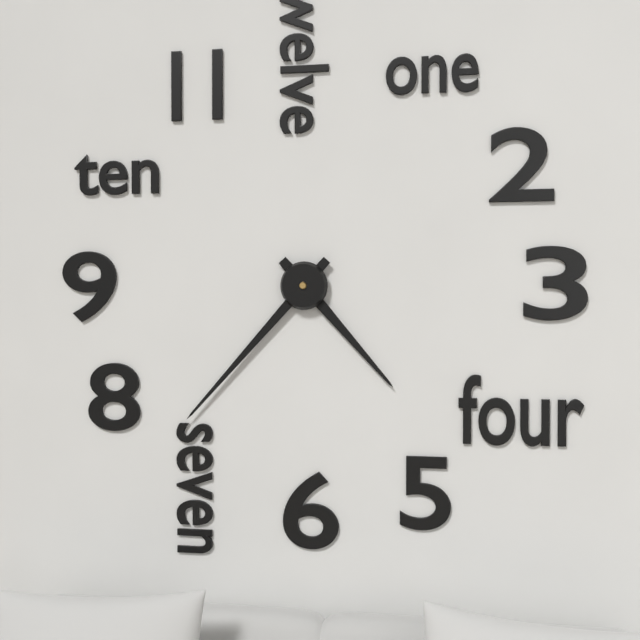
4:37
